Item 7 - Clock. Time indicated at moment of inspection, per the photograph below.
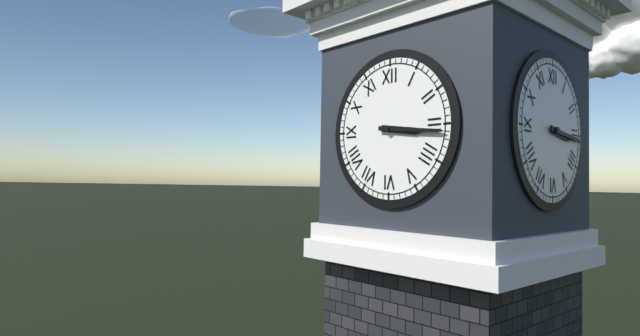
3:16
